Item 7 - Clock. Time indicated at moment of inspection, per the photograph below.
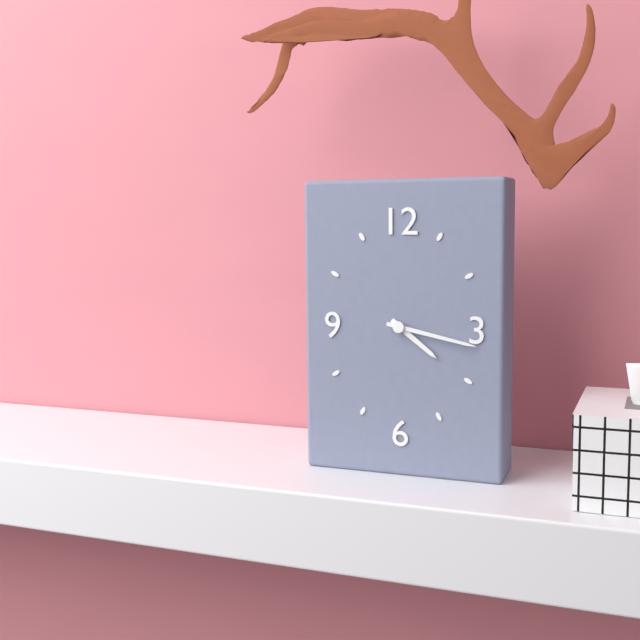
4:17
